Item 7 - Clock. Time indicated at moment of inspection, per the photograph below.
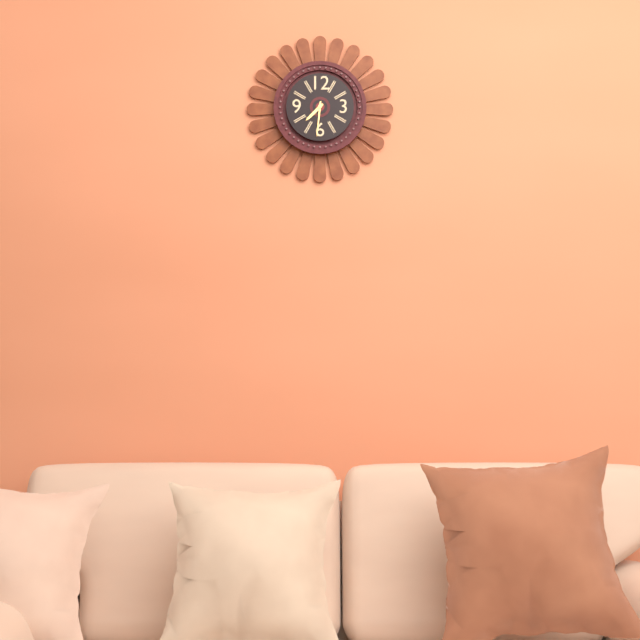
7:31
